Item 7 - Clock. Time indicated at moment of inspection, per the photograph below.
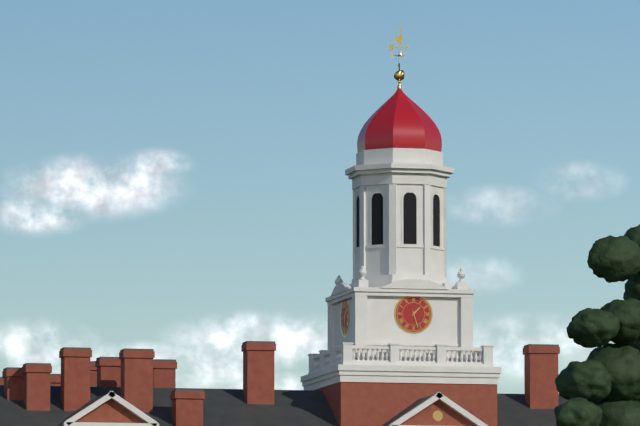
1:27
